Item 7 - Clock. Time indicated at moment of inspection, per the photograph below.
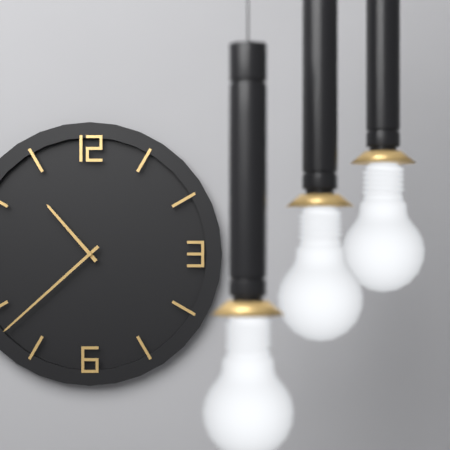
10:38
